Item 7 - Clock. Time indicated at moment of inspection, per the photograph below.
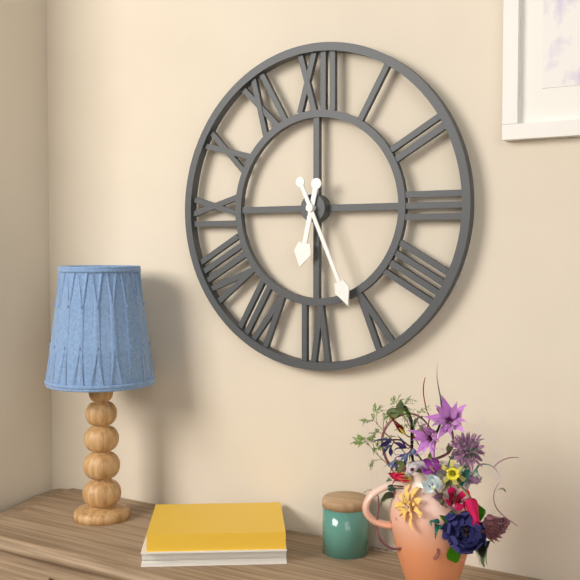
6:26
